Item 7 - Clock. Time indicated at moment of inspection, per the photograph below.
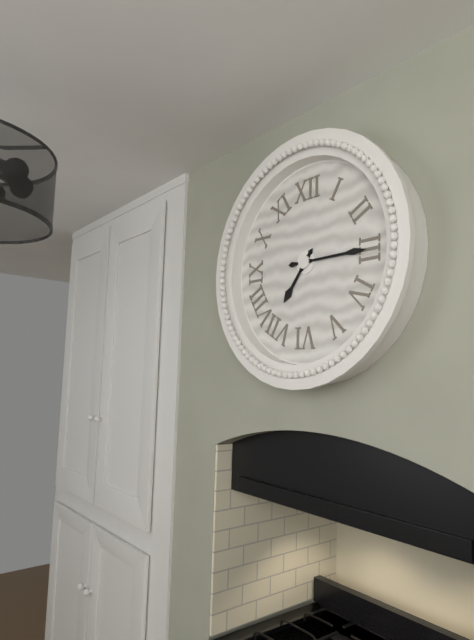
7:15
